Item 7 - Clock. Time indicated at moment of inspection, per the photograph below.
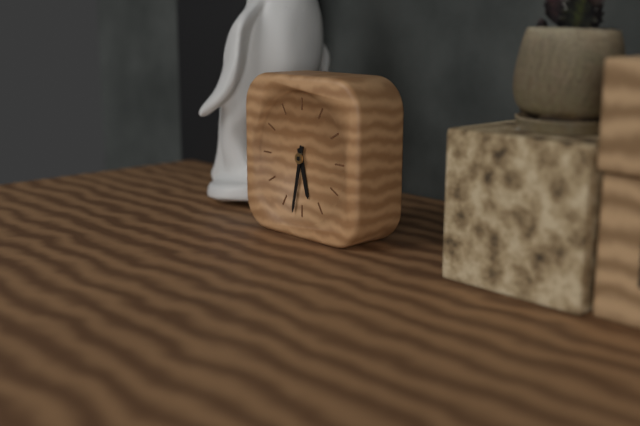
5:32
